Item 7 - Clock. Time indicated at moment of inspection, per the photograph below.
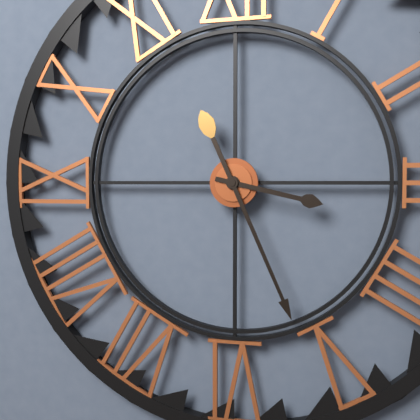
3:26
